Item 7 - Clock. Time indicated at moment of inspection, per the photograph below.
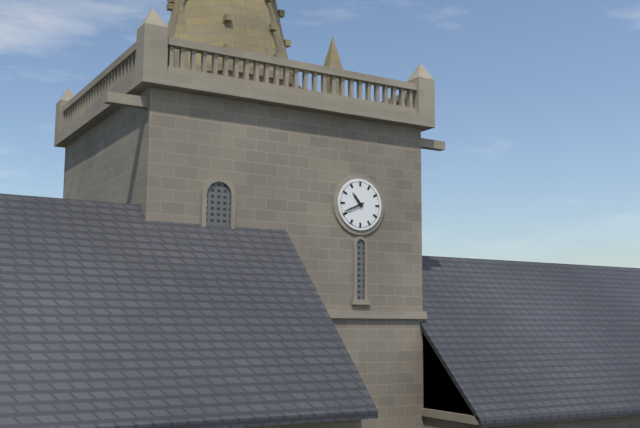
10:41
